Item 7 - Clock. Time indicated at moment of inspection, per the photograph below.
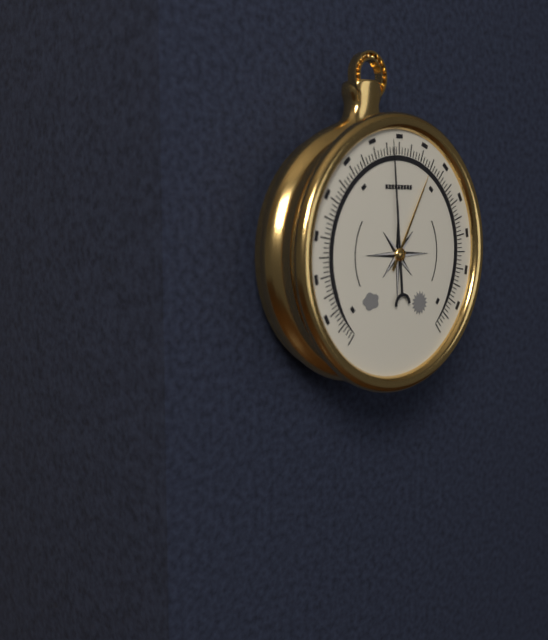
12:59
